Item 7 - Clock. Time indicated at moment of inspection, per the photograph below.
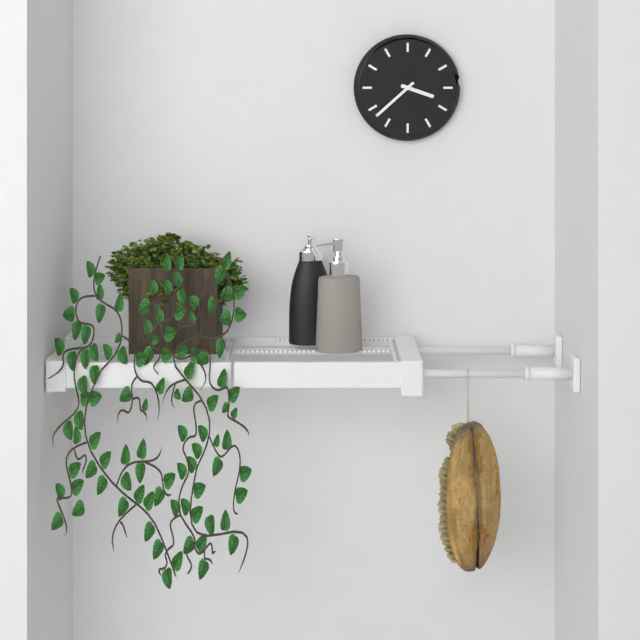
3:38
